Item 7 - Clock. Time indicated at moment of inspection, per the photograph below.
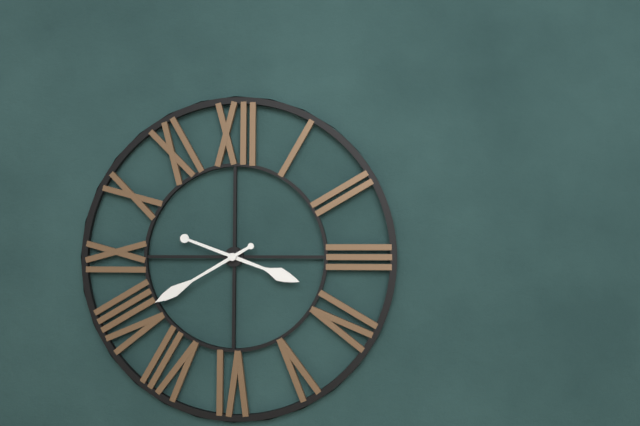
3:40
